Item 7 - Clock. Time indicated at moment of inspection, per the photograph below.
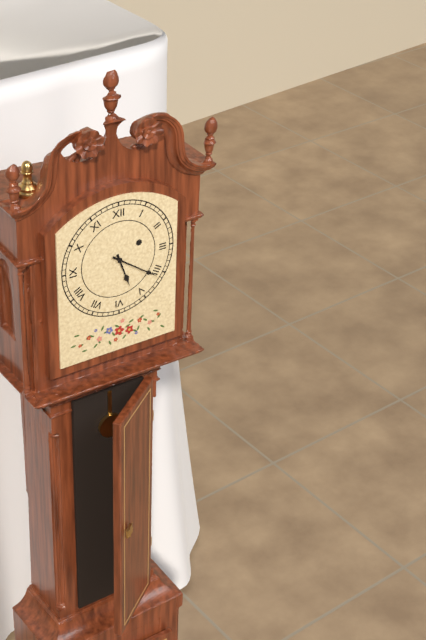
5:21
